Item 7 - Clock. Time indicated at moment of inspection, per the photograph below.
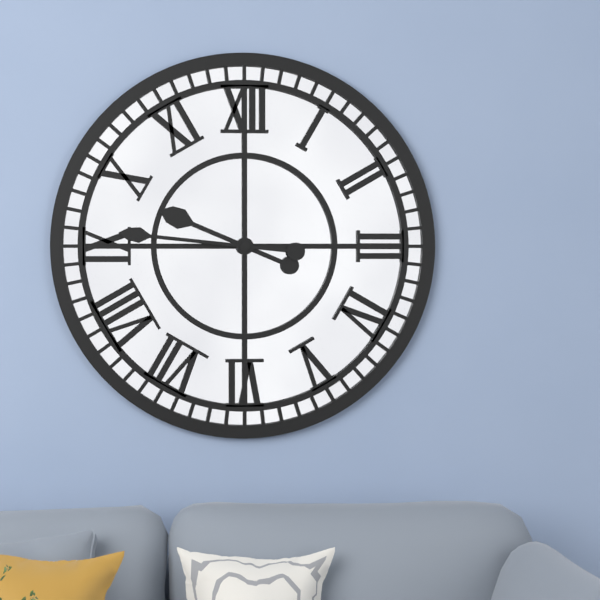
9:46
